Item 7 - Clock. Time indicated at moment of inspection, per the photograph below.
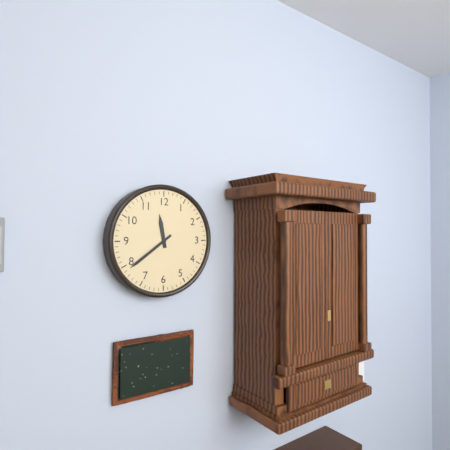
11:39
